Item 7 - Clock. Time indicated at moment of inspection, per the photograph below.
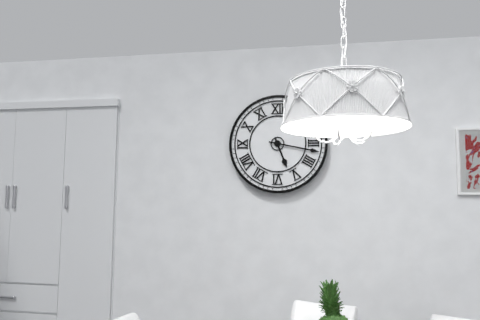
5:17
